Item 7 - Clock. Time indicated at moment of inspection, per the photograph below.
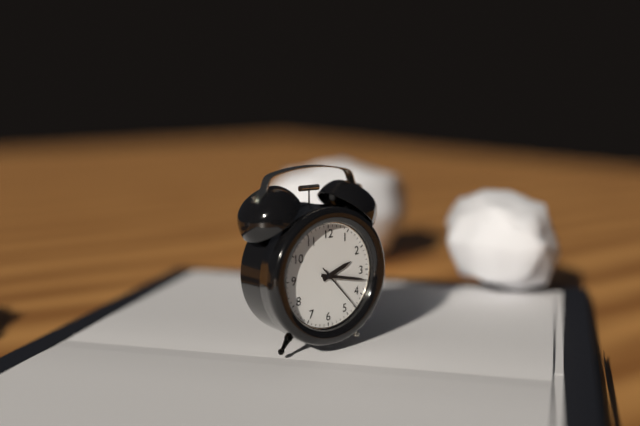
2:17:23
